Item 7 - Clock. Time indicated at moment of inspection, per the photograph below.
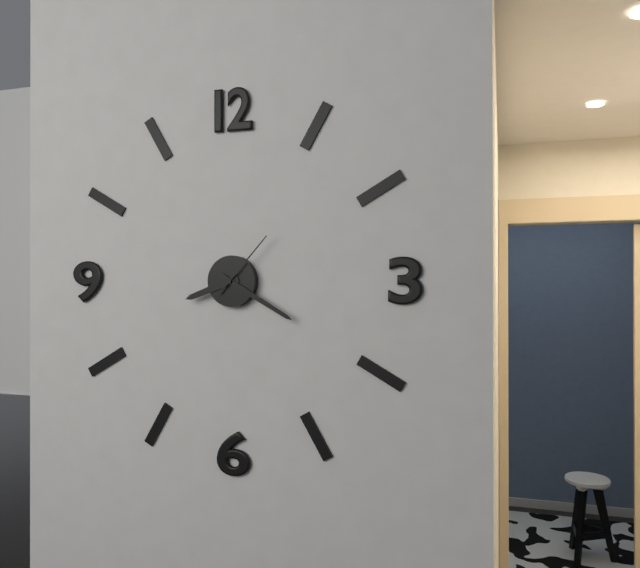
8:20:07
